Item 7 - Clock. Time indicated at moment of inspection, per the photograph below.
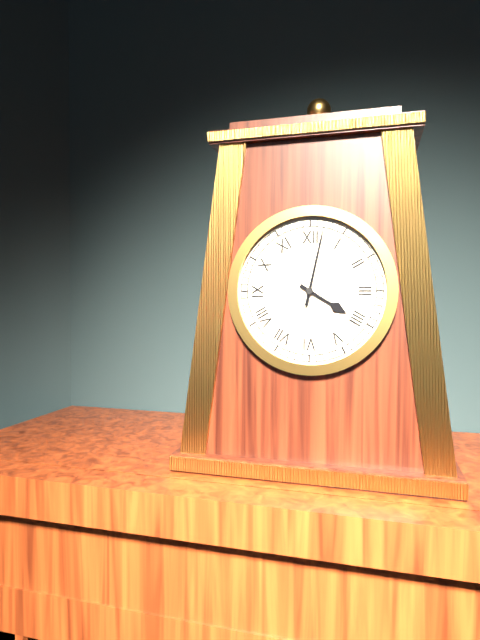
4:02
